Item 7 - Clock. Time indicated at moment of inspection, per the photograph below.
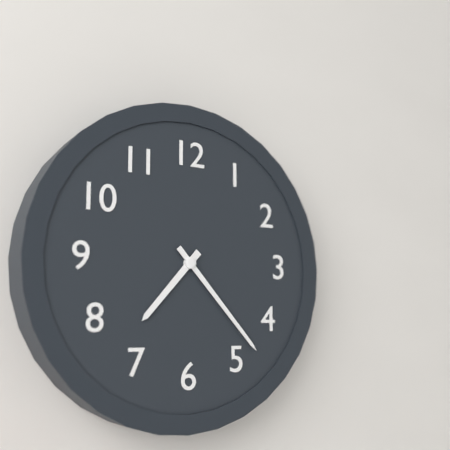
7:23
